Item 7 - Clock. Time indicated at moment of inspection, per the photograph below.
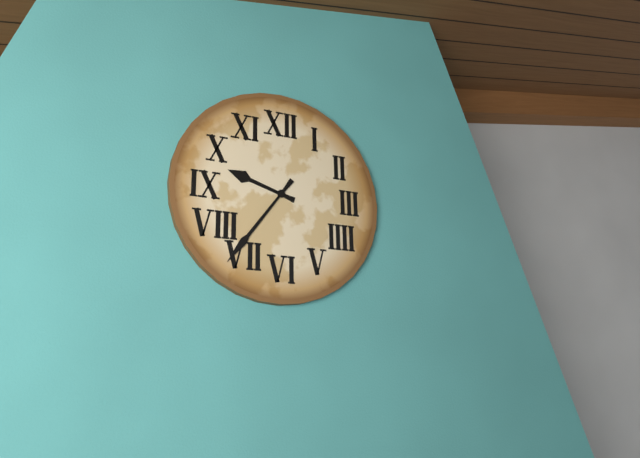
9:36
